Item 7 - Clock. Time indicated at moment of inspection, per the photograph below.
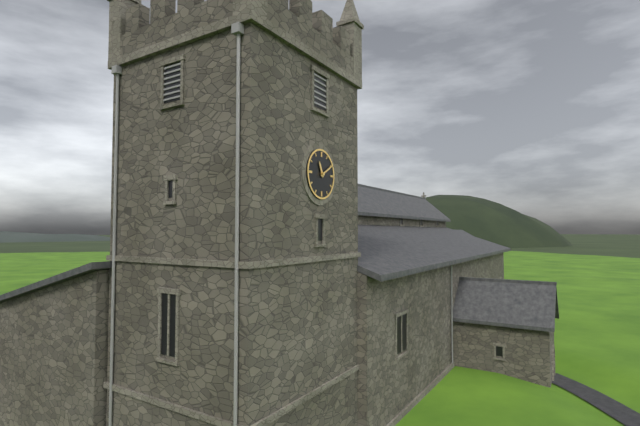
11:10
